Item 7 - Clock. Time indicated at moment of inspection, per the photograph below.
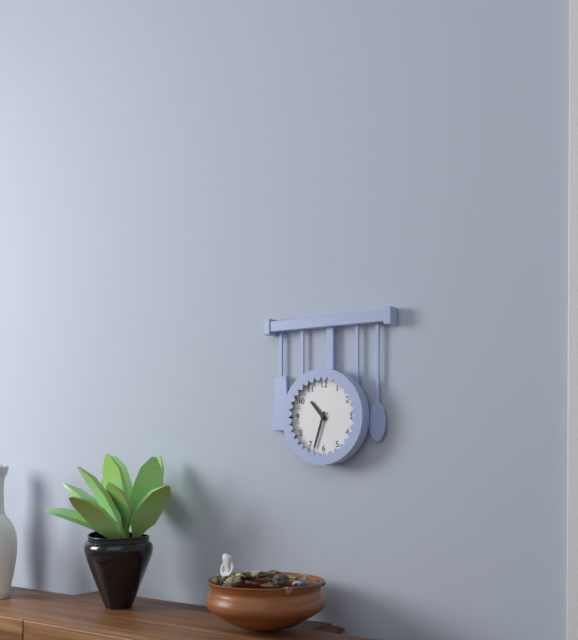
10:33
